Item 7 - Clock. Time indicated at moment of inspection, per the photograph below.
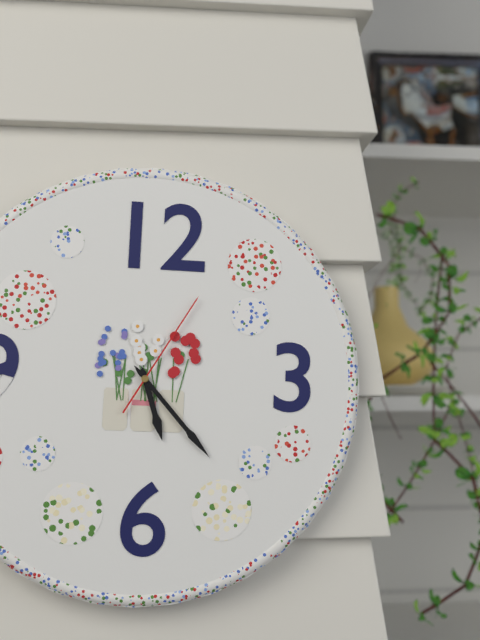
5:23:05
